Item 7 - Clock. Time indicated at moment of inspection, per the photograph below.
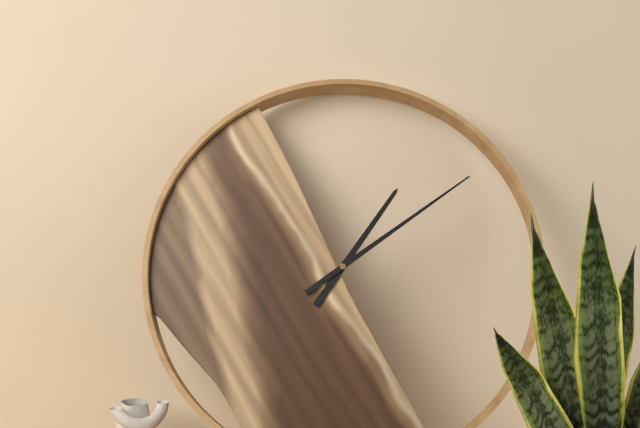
1:09
